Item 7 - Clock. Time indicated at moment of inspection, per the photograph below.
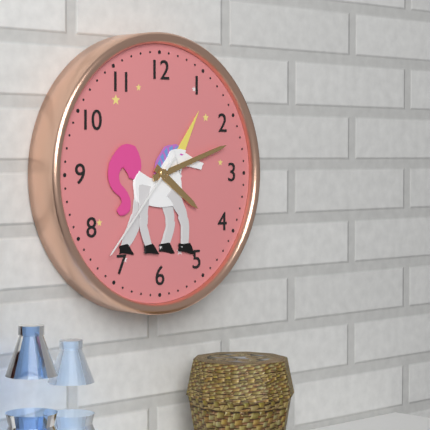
4:12:37
